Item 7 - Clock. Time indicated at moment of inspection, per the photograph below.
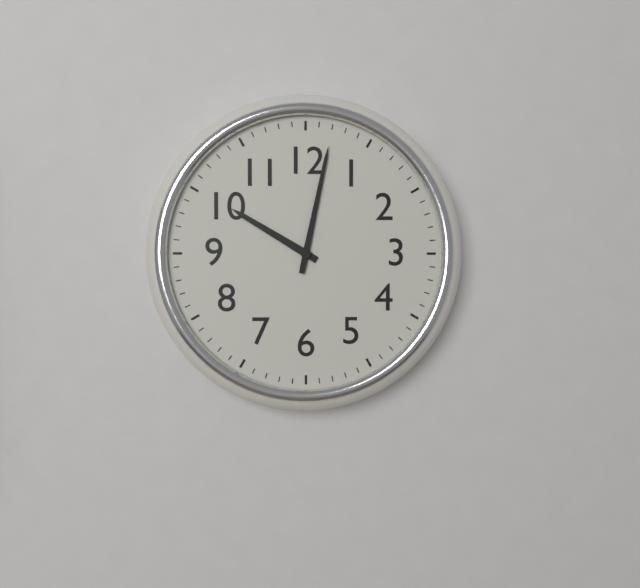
10:02
